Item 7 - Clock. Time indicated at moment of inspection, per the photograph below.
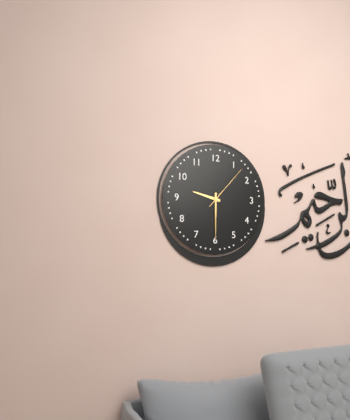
9:30:07
